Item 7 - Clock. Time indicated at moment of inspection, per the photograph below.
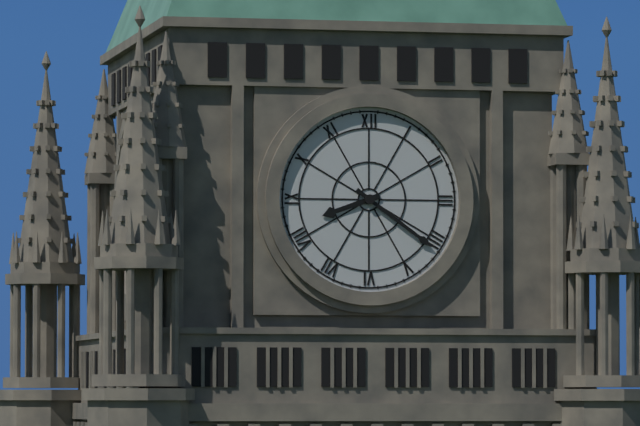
8:21
